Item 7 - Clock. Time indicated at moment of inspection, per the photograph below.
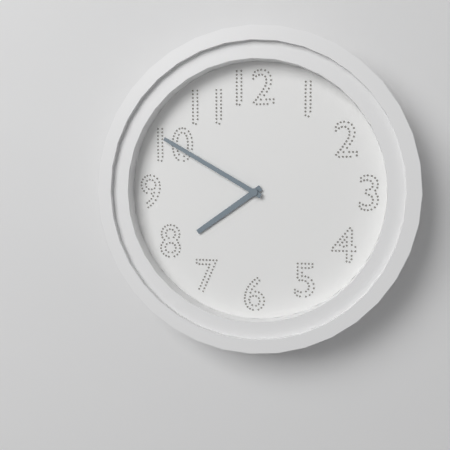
7:50
